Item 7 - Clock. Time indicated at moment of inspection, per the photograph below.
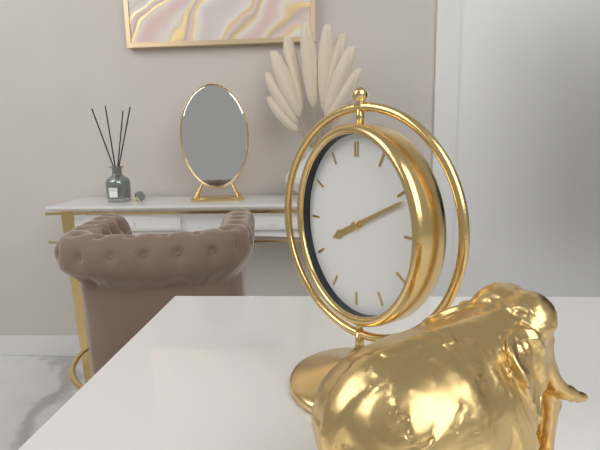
8:11
